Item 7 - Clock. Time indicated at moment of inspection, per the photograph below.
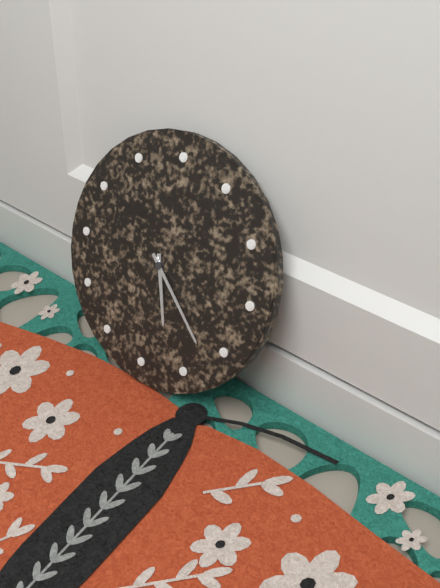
5:22
